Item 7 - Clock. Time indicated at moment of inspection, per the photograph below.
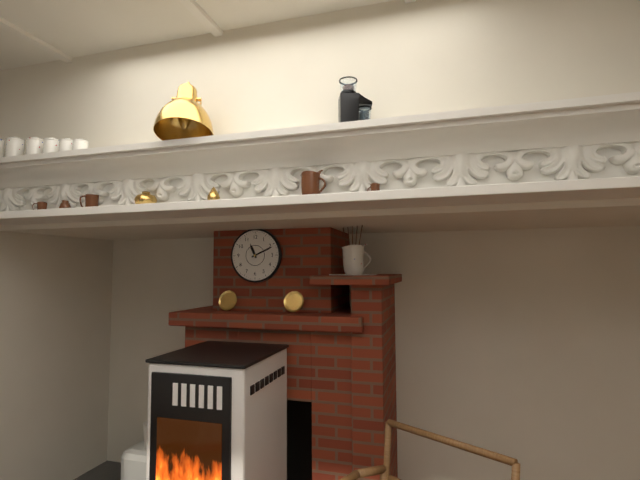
11:11
